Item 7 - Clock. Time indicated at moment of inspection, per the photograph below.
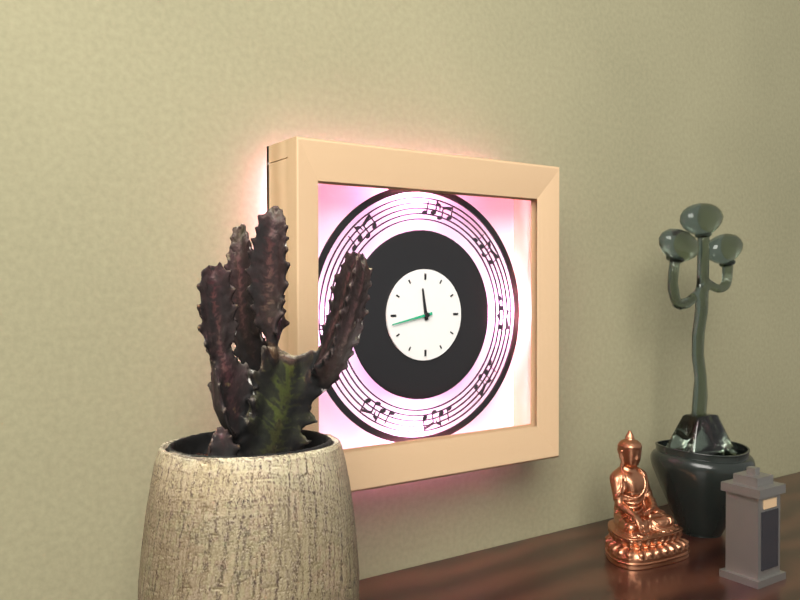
11:43
